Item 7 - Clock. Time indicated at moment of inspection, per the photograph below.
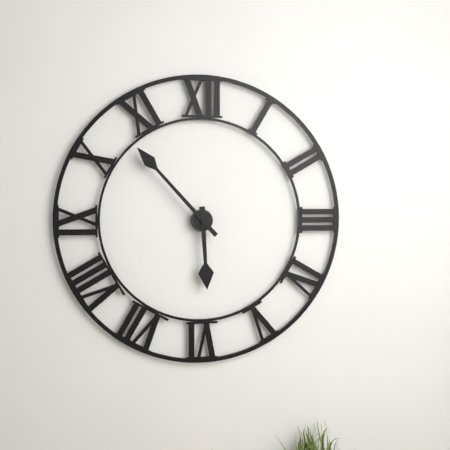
5:53
